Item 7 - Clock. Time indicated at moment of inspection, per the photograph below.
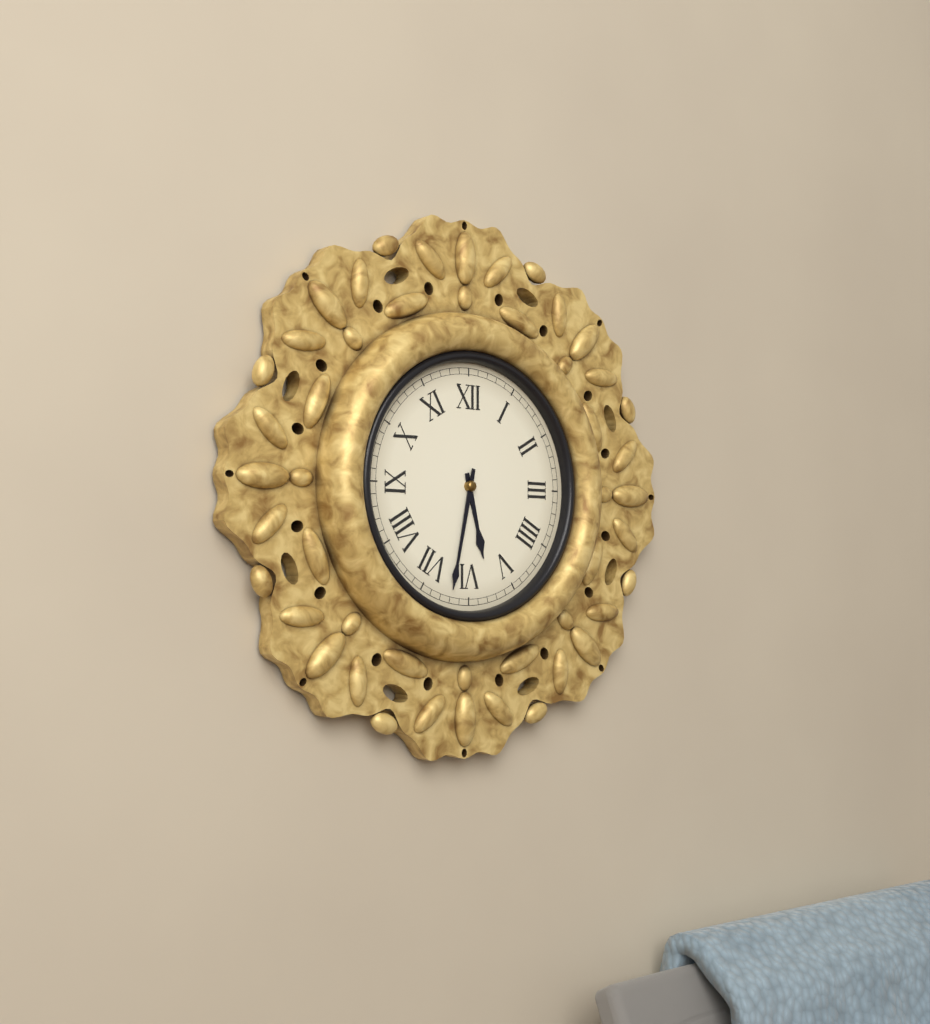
5:32
